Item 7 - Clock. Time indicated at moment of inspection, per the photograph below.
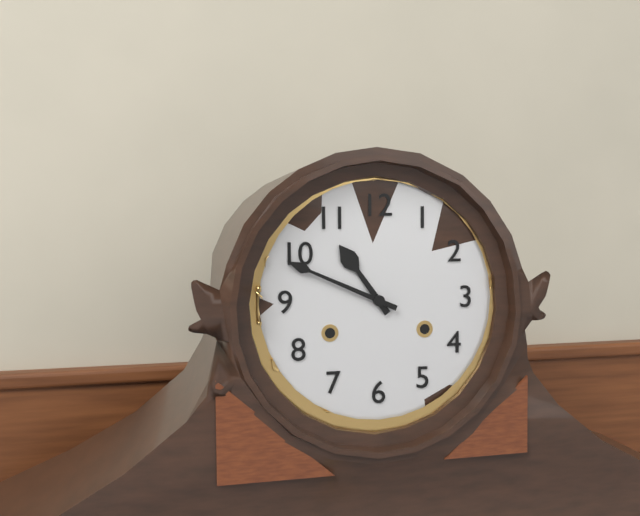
10:49
